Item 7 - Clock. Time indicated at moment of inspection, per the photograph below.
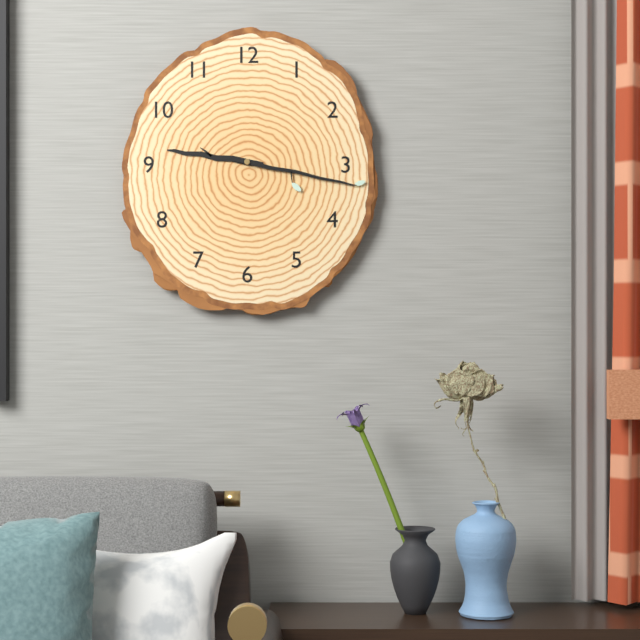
9:17
